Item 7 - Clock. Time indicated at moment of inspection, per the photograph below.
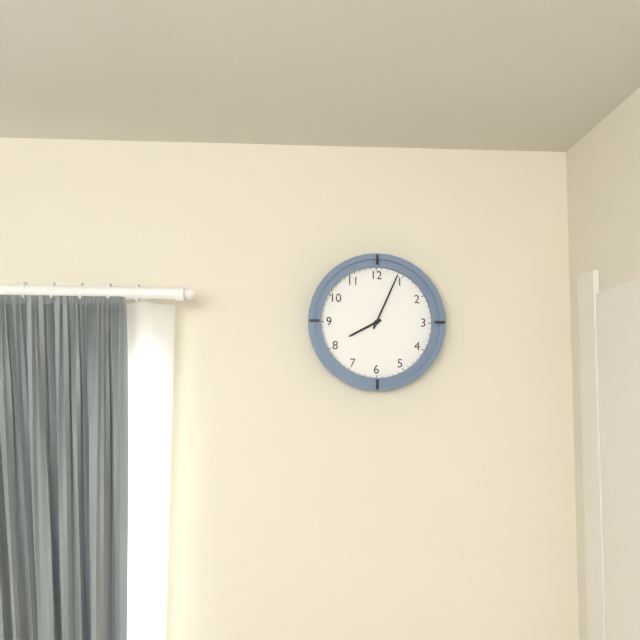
8:04
